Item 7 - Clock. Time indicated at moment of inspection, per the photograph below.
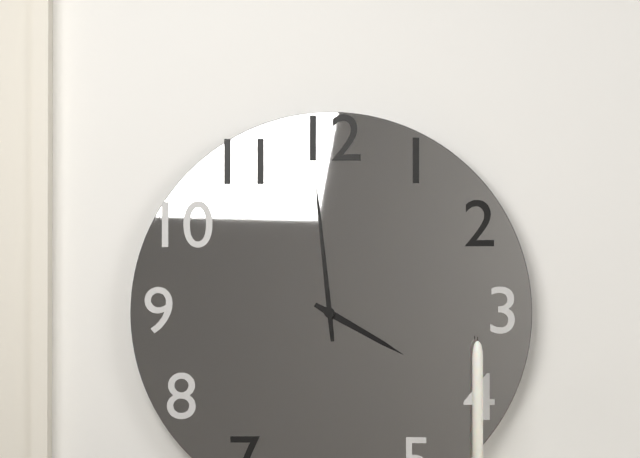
3:59
